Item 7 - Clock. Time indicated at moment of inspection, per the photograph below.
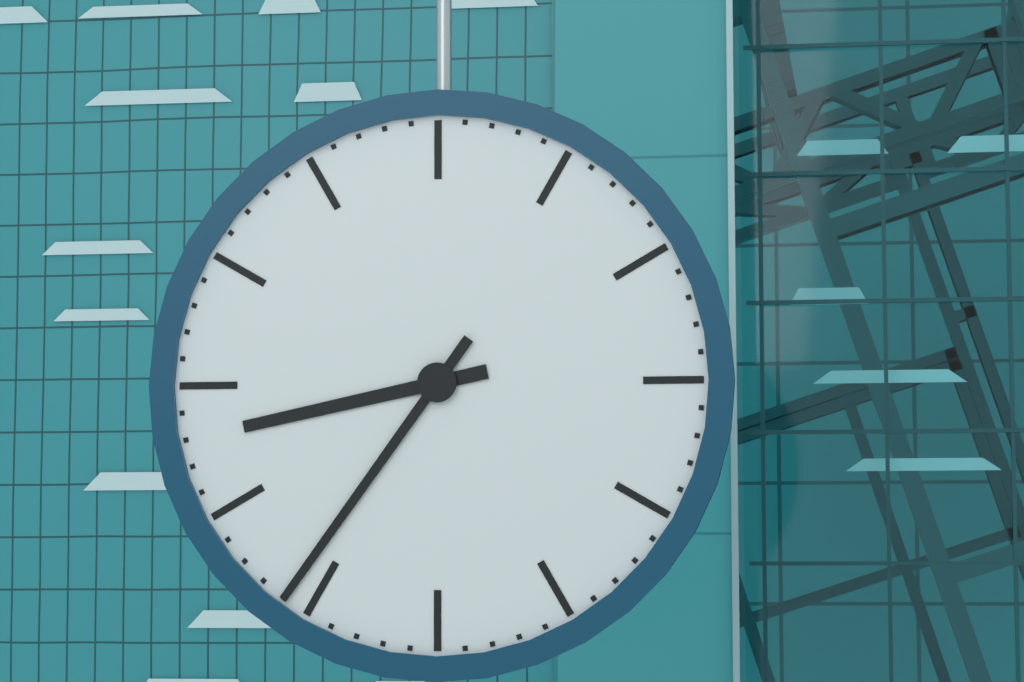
8:36
